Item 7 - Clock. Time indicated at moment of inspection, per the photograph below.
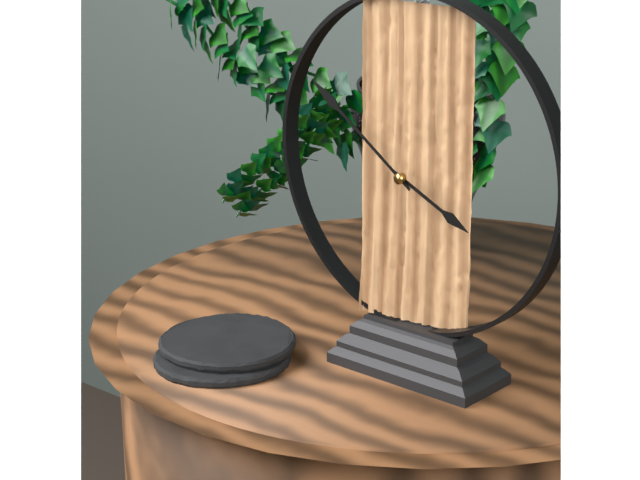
3:51
